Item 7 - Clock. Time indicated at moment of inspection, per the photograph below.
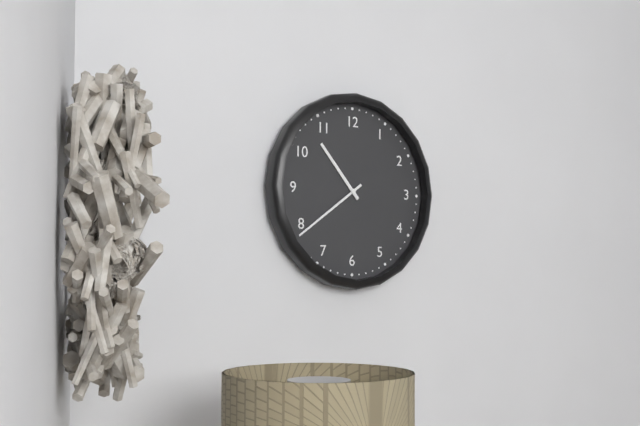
10:39
